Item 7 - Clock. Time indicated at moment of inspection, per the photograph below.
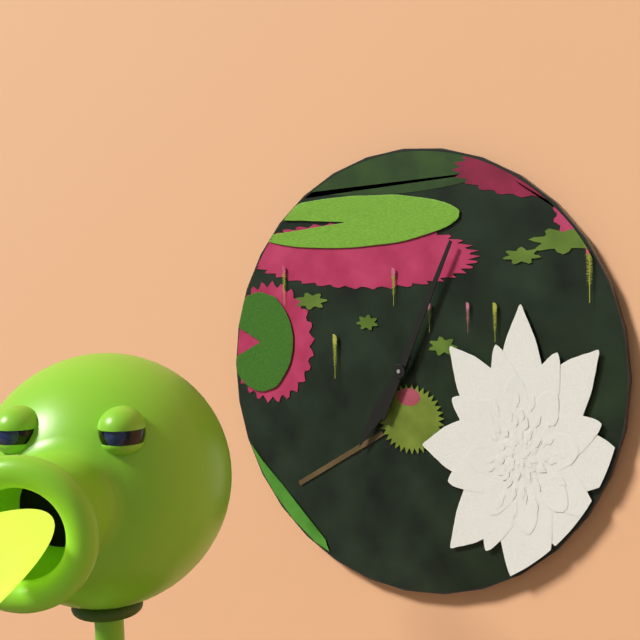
7:04
